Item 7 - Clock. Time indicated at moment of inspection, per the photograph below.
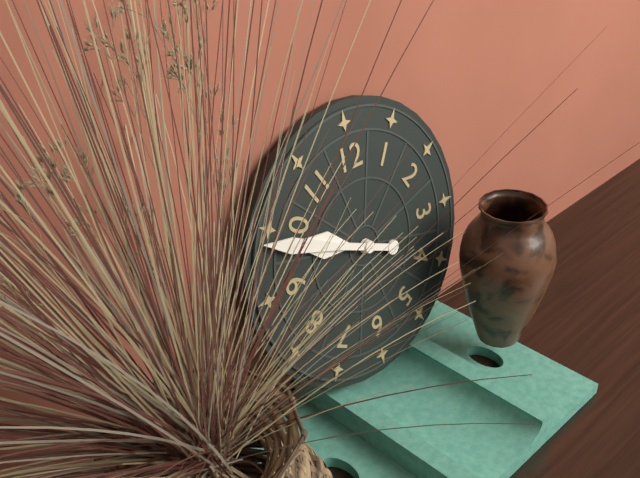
9:49
